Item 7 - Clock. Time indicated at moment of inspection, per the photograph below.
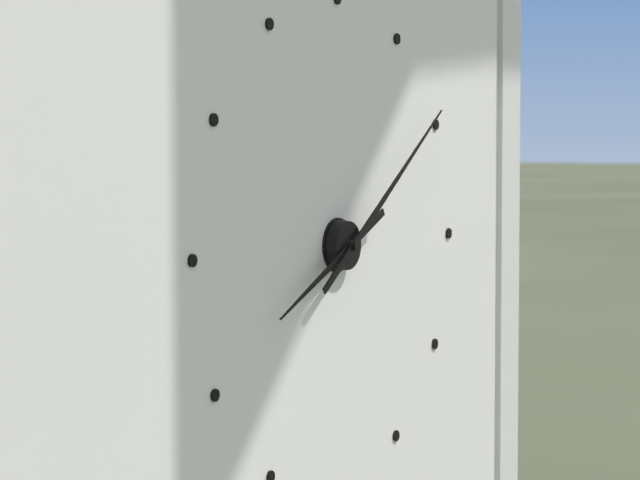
8:09
